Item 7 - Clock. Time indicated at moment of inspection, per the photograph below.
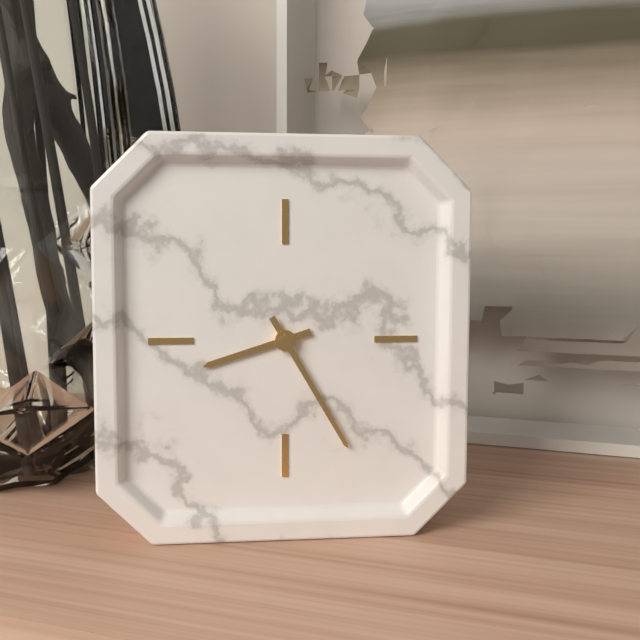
8:25
